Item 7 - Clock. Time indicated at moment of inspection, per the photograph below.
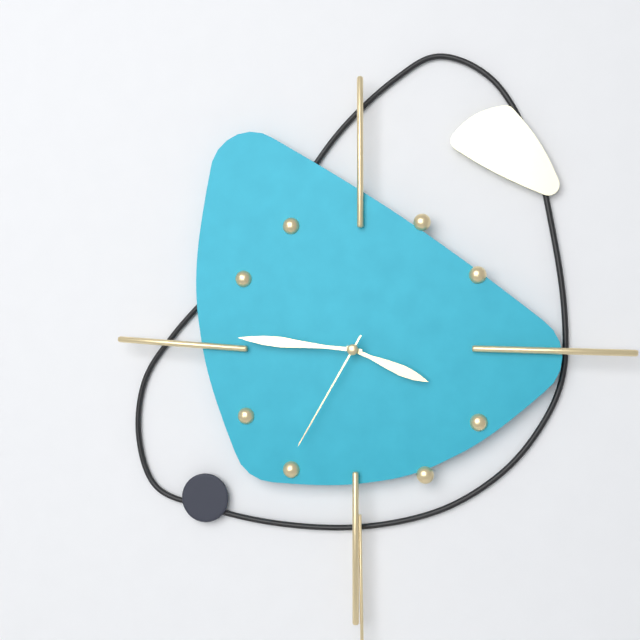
3:46:35
